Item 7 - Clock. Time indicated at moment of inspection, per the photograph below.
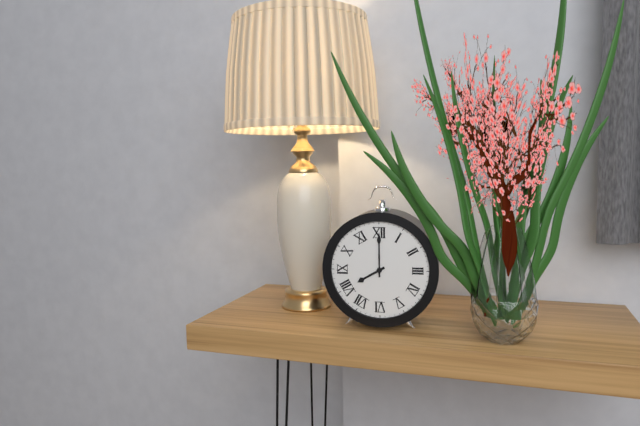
8:00
